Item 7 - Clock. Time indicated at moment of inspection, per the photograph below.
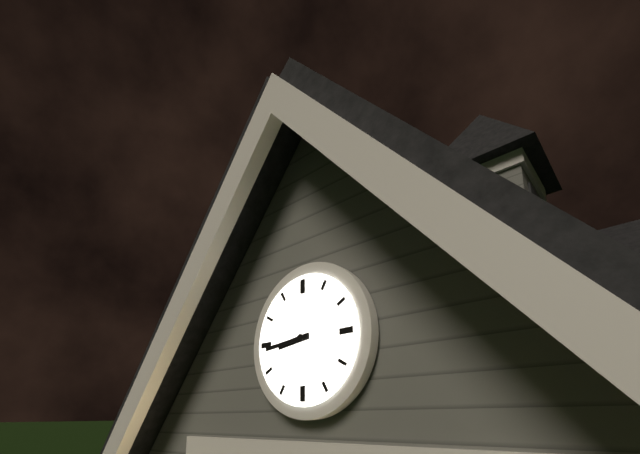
8:44
